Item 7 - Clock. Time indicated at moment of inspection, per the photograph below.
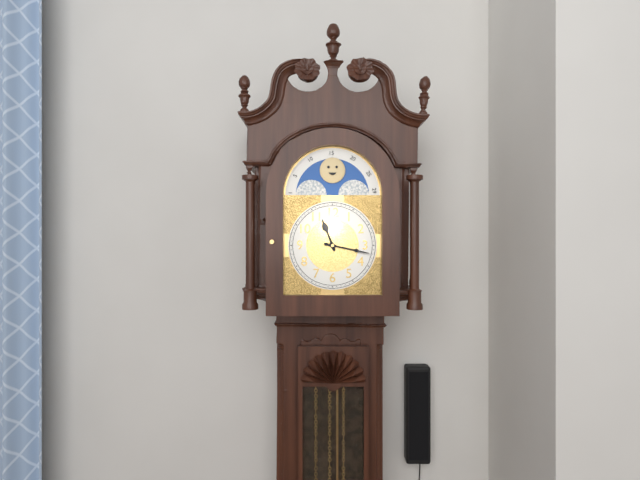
11:17
